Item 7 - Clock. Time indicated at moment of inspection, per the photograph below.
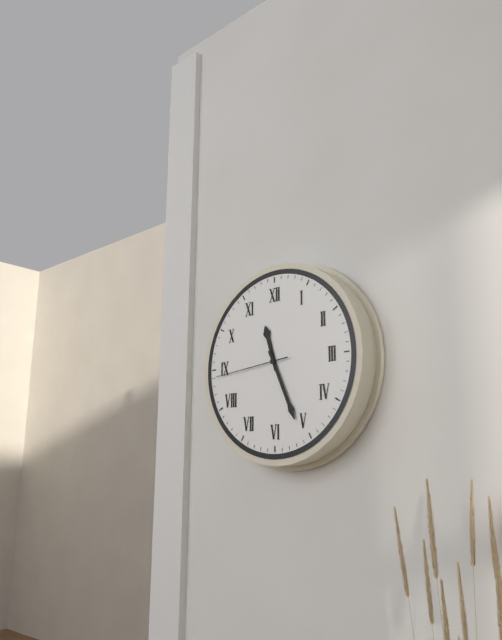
11:26:44
